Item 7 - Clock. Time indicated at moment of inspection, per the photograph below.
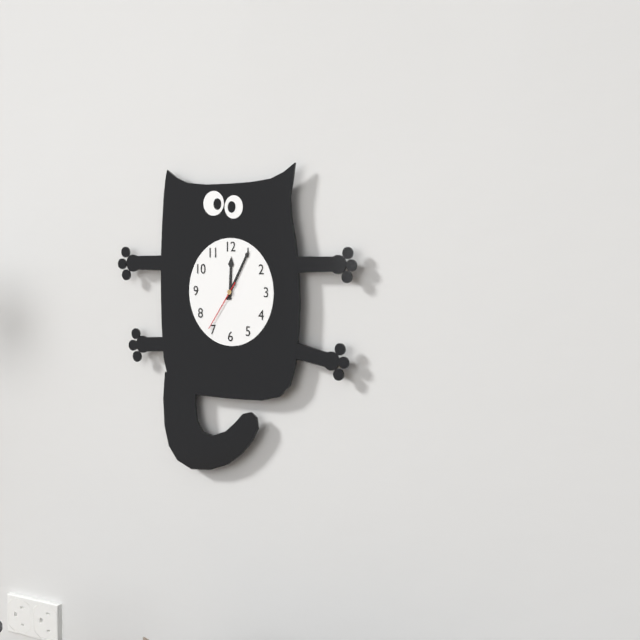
12:05:36
